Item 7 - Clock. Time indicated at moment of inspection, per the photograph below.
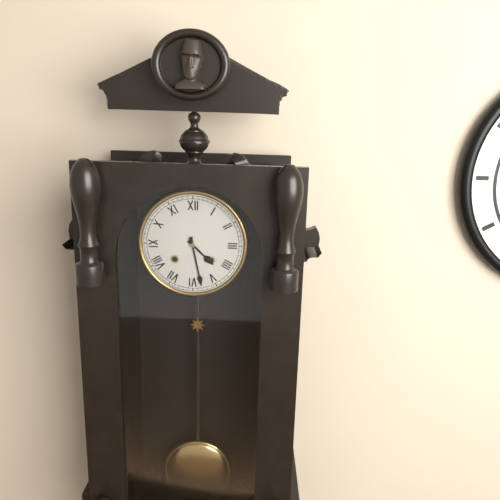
4:28
